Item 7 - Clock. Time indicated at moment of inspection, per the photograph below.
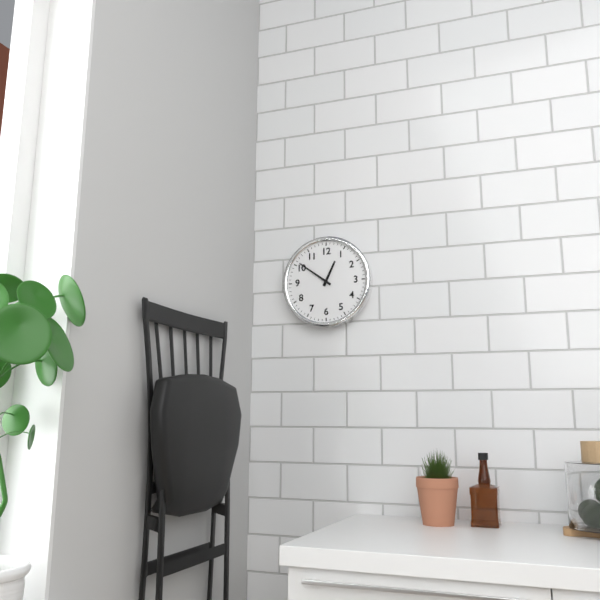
12:51
